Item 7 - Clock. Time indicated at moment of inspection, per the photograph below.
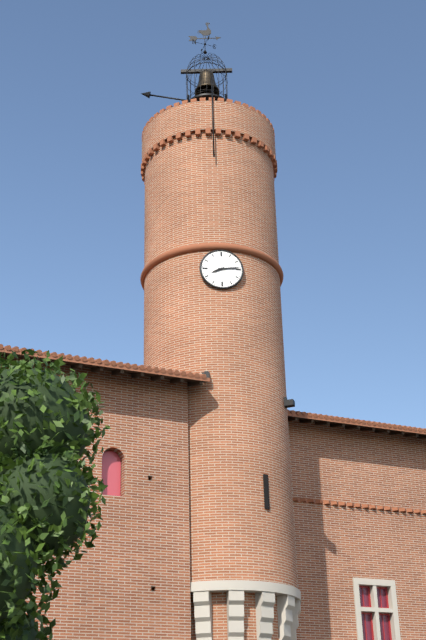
8:14
